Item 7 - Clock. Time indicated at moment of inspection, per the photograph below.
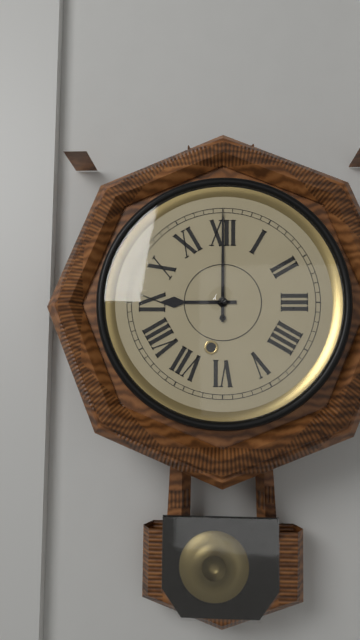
9:00
